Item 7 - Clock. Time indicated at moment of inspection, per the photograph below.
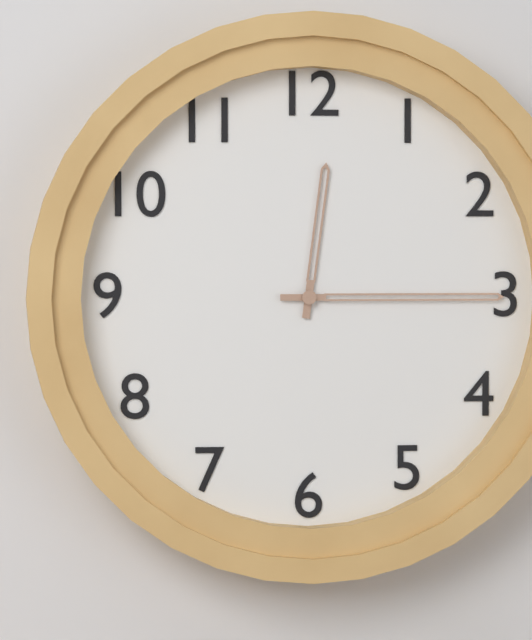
12:15
